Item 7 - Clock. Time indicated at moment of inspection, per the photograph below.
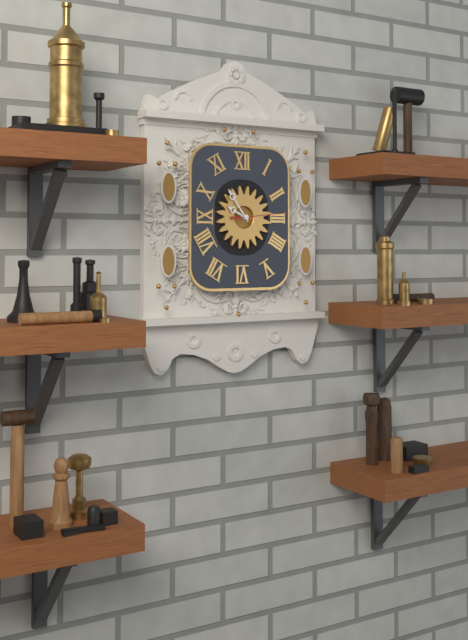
9:54:14
